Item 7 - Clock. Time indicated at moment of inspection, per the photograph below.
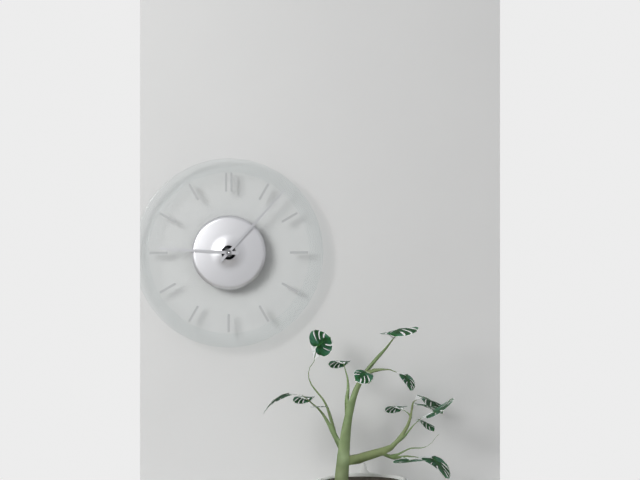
9:07
